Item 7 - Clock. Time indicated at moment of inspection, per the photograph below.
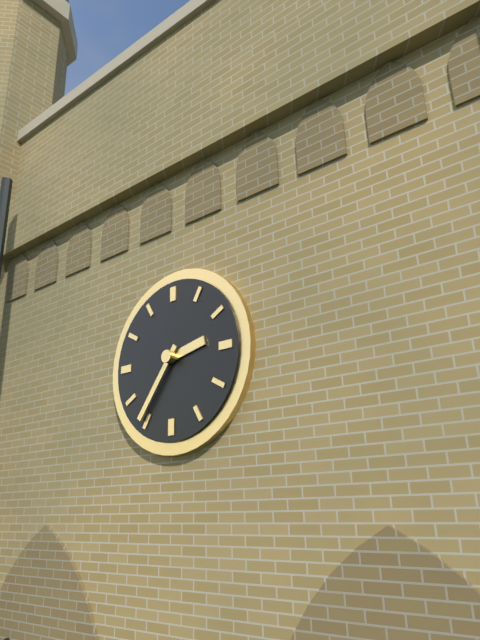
2:36
